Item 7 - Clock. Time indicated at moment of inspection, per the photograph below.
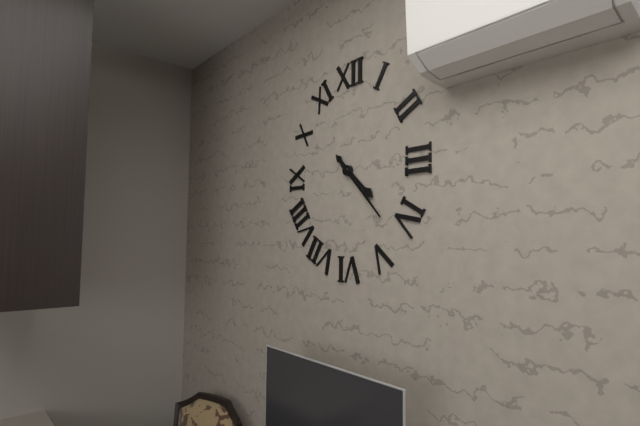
4:23
